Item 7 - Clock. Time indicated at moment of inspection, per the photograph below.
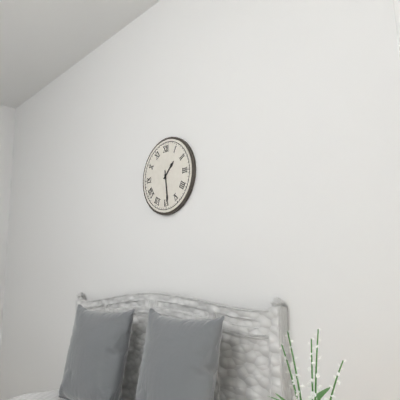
1:29
